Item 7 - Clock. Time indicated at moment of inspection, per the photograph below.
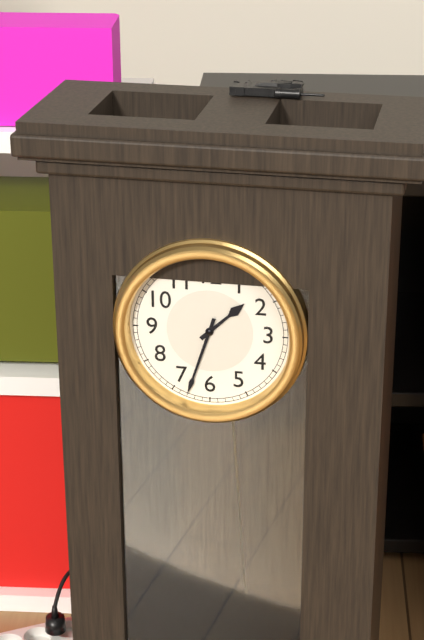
1:33
